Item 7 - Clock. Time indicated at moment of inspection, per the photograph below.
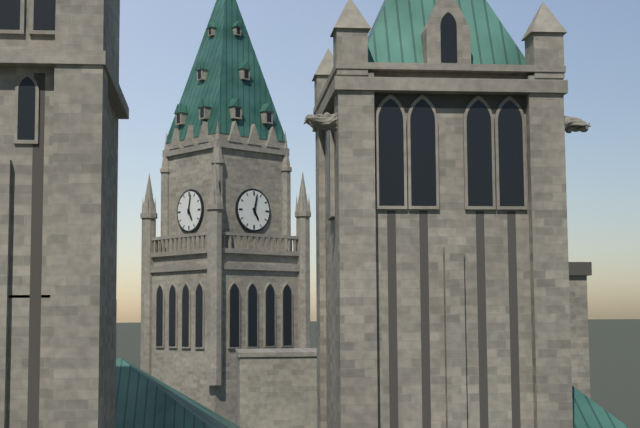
5:02
